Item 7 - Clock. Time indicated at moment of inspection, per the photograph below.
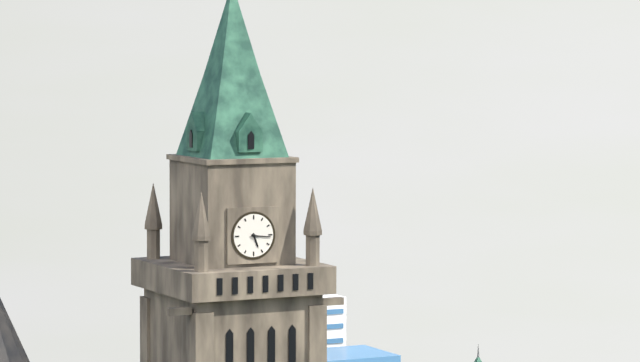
5:16
